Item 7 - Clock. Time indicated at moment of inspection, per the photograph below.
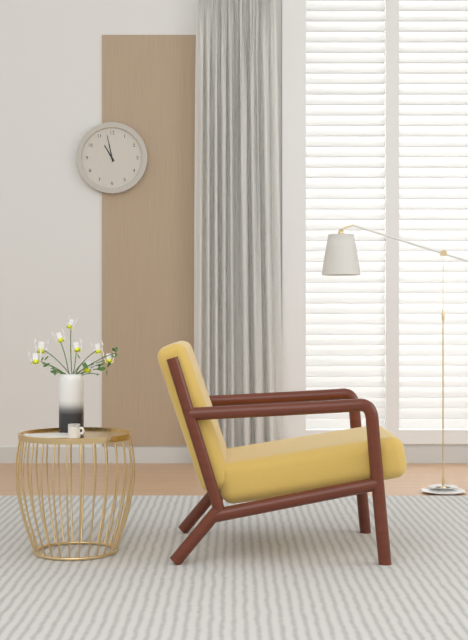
10:58
